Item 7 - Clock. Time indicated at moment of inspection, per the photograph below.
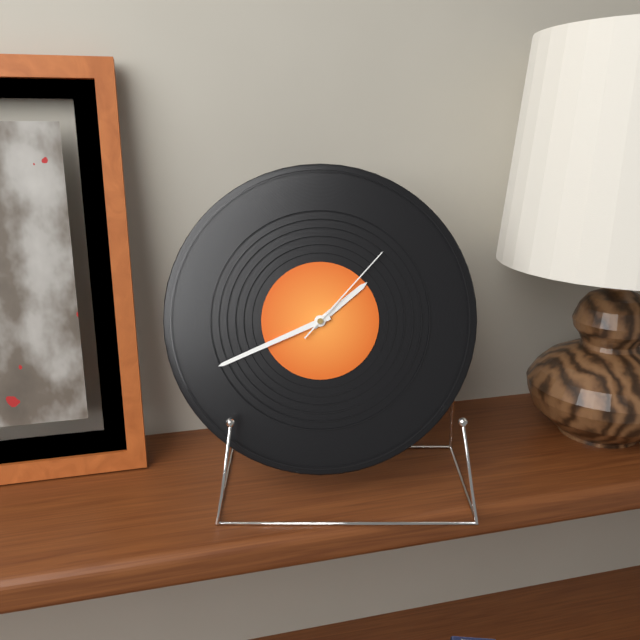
1:41:07
